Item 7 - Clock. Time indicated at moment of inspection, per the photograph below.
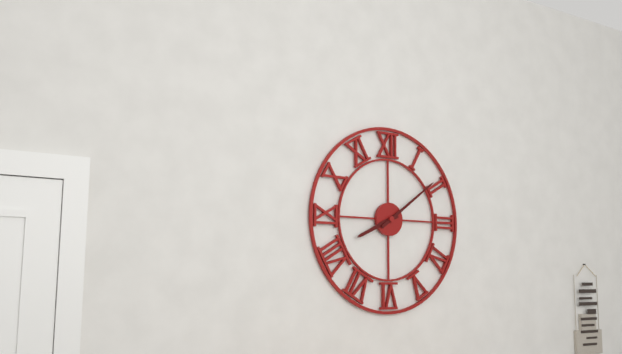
8:09
